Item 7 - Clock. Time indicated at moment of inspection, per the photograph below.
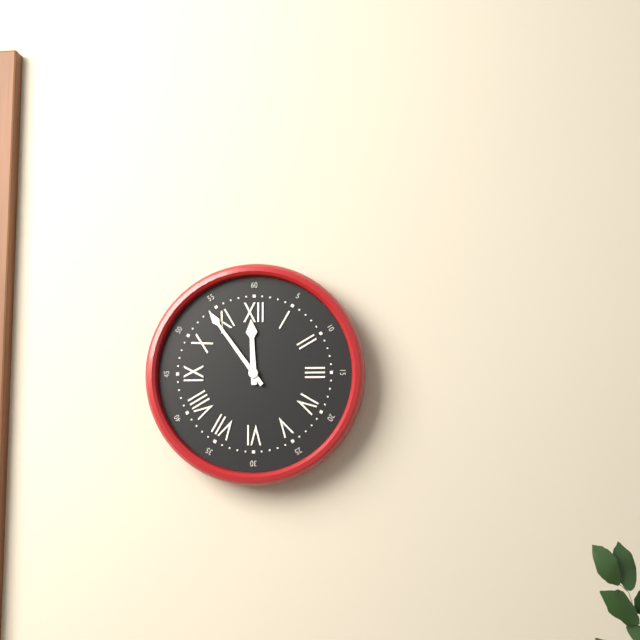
11:54
